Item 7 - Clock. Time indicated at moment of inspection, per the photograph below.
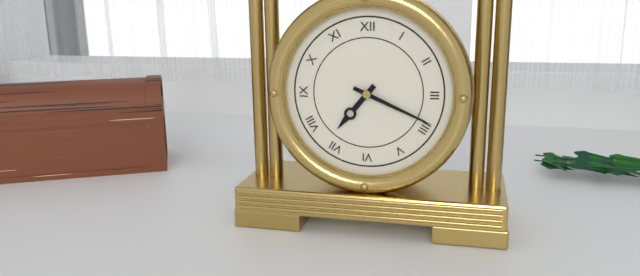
7:19
